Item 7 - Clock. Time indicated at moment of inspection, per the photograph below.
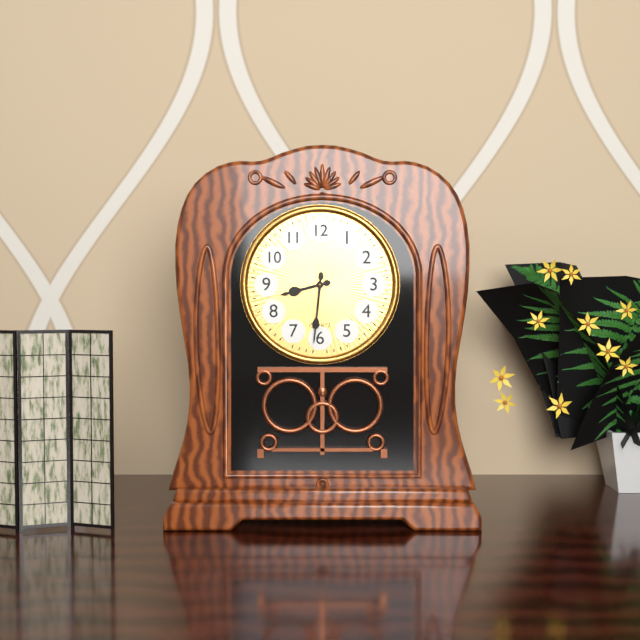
8:31
